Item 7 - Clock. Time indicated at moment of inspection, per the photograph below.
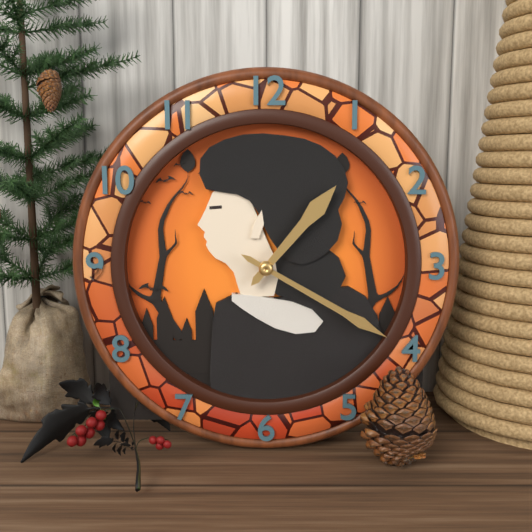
1:20
